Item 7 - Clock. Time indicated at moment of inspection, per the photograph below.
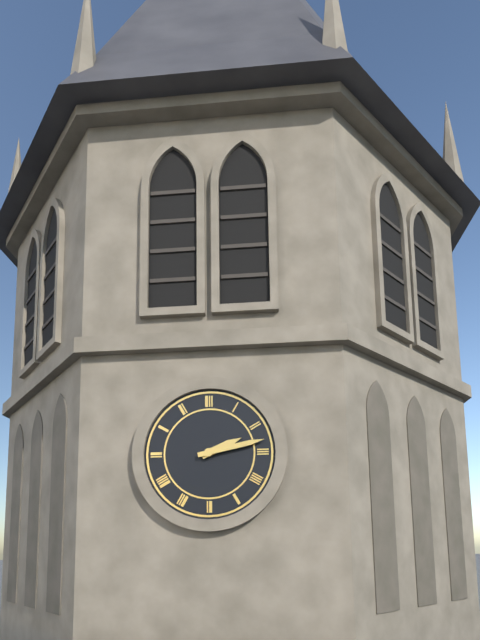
2:13
